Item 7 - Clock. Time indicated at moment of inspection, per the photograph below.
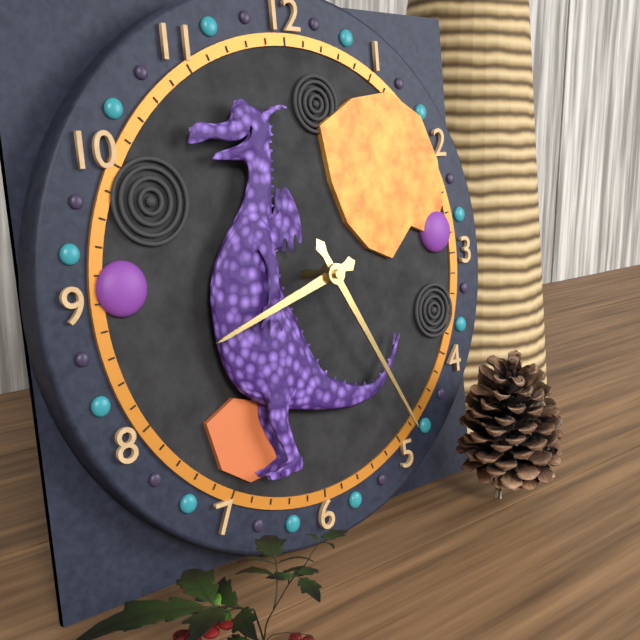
8:25
